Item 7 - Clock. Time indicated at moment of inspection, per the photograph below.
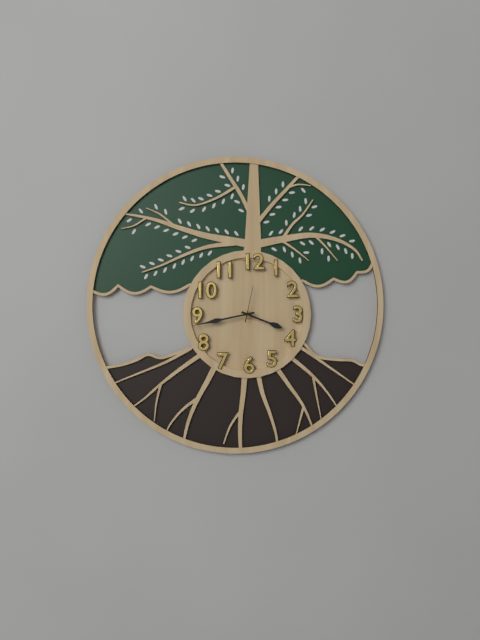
3:43
